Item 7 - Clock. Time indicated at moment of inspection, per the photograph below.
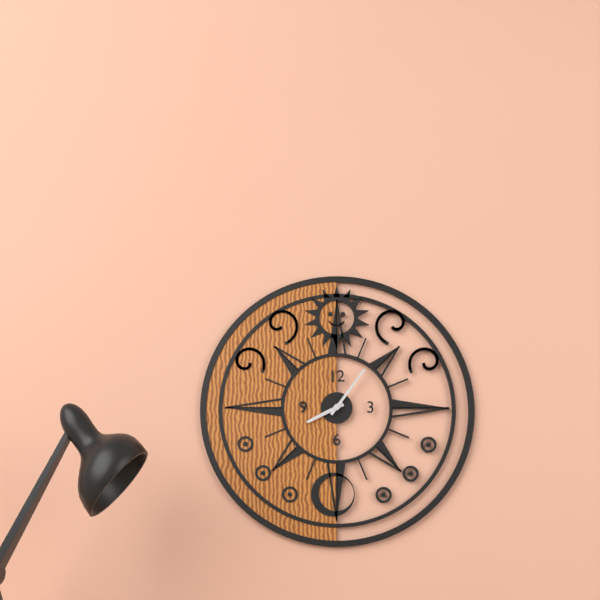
8:06
